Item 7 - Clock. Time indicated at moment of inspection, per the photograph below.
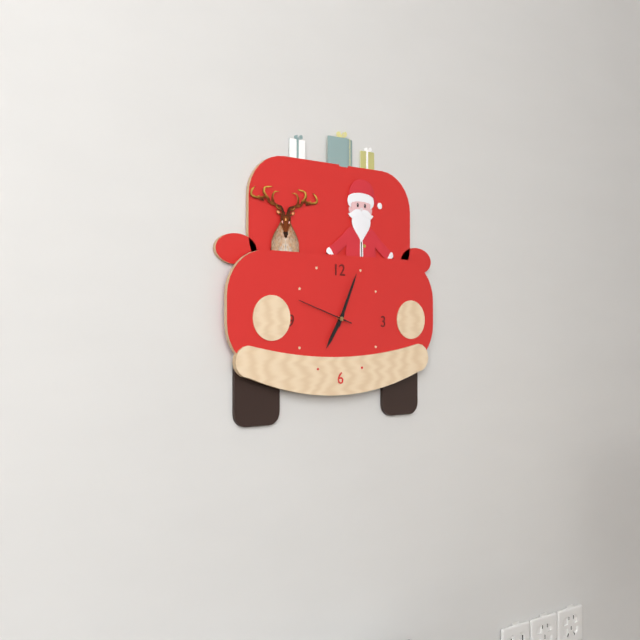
7:04:48
